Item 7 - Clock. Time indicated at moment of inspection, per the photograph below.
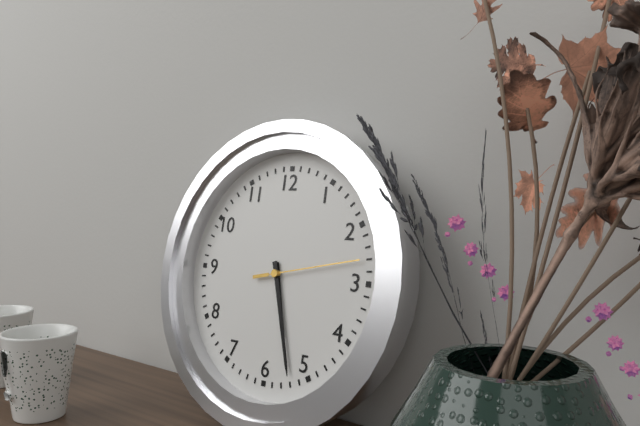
5:27:13
